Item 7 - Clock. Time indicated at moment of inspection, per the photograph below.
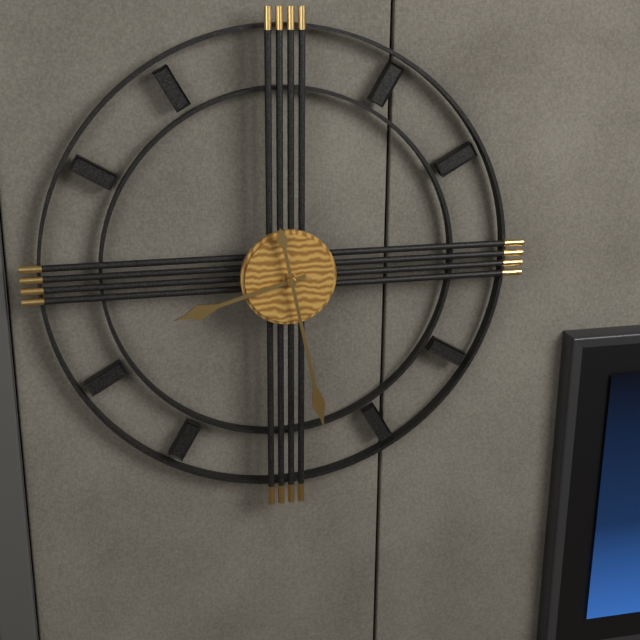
8:28
